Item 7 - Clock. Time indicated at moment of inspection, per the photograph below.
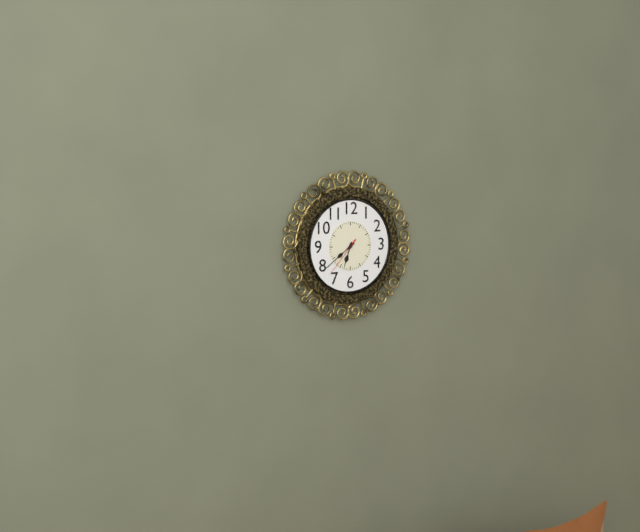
6:39
